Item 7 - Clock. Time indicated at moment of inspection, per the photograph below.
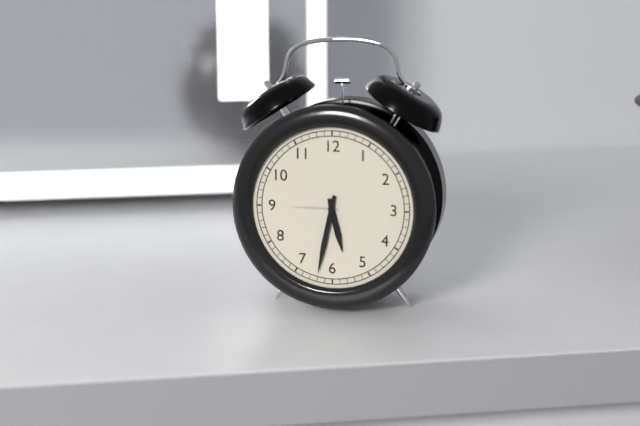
5:32
